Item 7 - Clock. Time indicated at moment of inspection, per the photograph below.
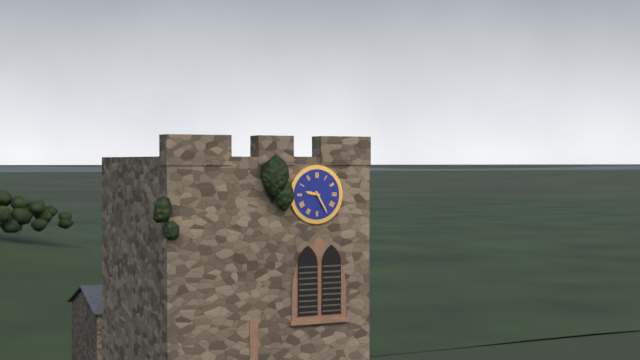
9:25
